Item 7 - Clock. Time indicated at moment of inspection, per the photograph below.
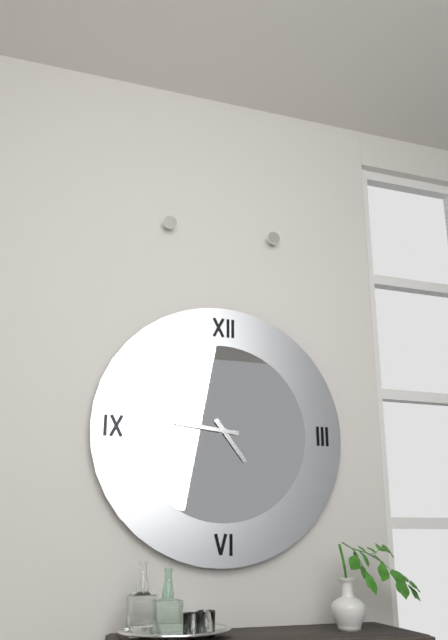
4:46
